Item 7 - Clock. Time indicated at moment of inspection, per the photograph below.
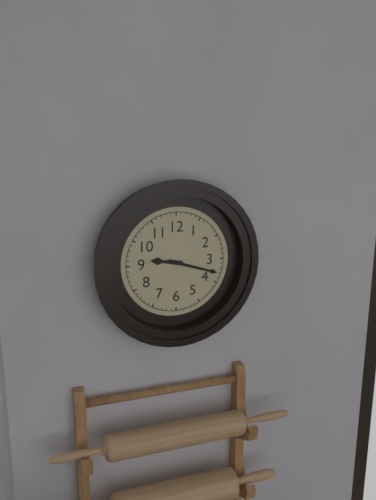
9:18
